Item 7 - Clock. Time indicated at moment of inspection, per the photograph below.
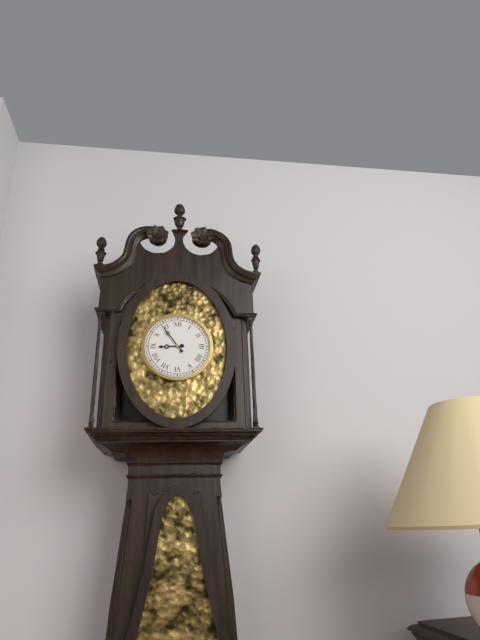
8:54
